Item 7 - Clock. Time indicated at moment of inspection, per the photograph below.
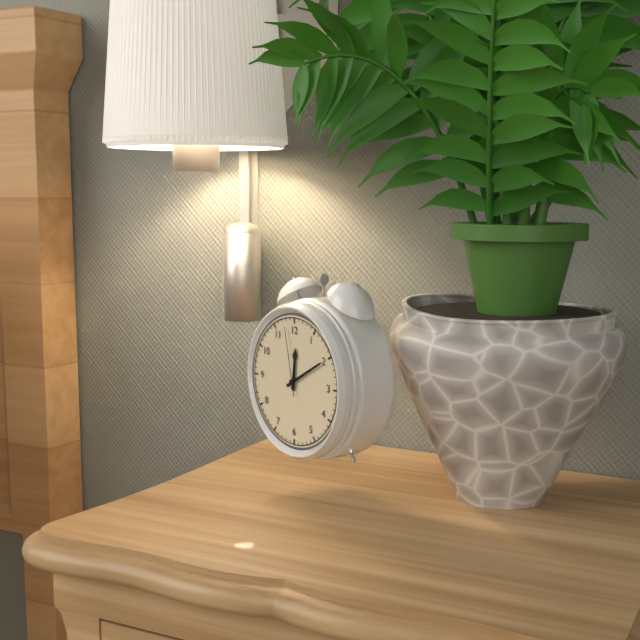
12:10:58
